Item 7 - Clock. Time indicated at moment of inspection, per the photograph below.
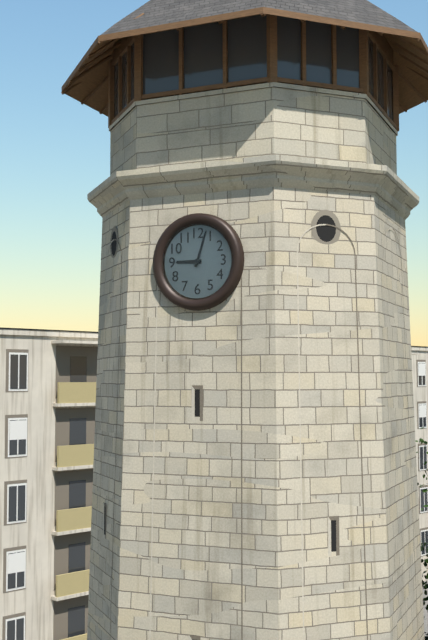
9:03
